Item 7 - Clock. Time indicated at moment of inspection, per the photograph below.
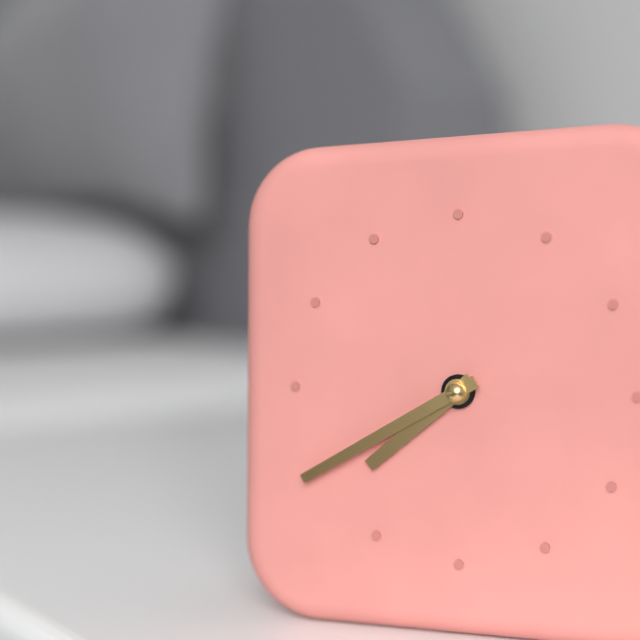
7:40
